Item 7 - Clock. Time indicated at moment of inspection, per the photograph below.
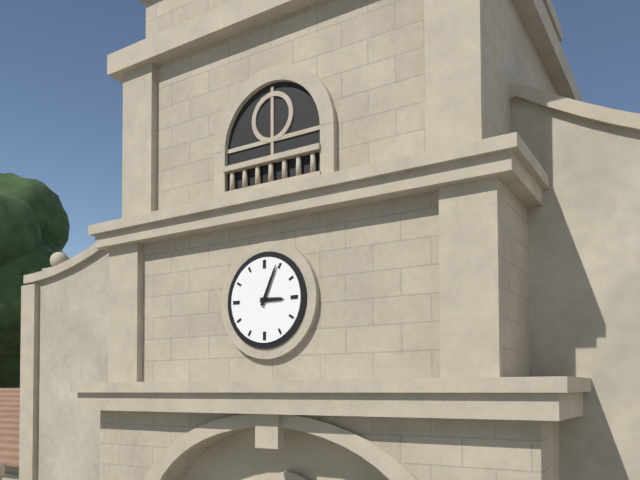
3:04
